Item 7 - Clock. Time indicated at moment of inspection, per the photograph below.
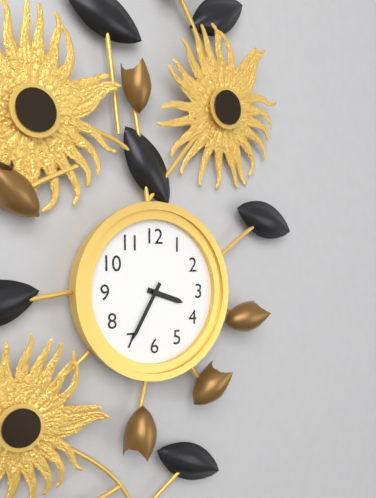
3:35
